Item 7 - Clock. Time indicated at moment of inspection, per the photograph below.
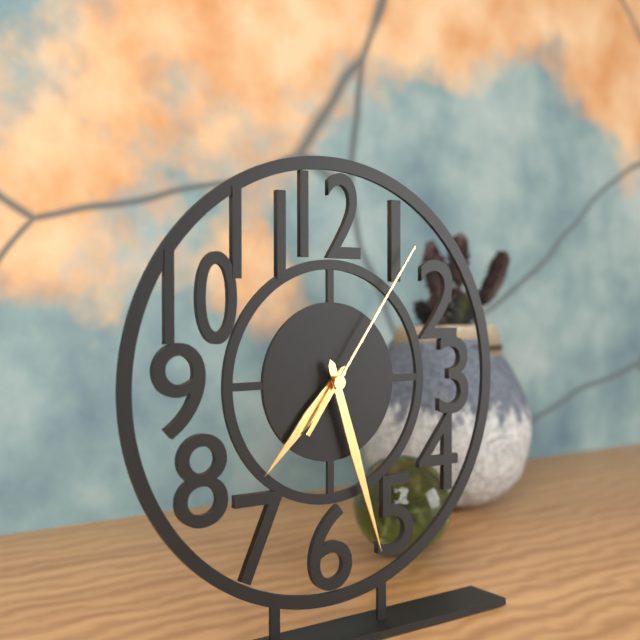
7:27:06
